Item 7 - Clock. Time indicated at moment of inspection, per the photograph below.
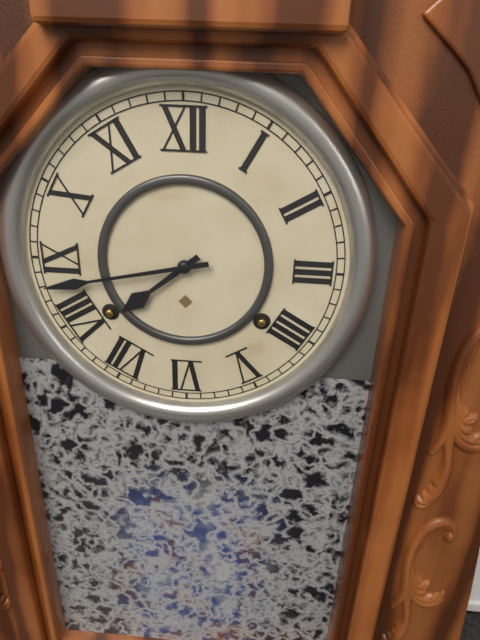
7:43
